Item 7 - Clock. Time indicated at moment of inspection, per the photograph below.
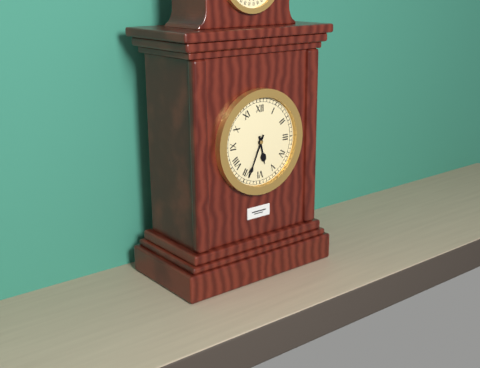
5:34
